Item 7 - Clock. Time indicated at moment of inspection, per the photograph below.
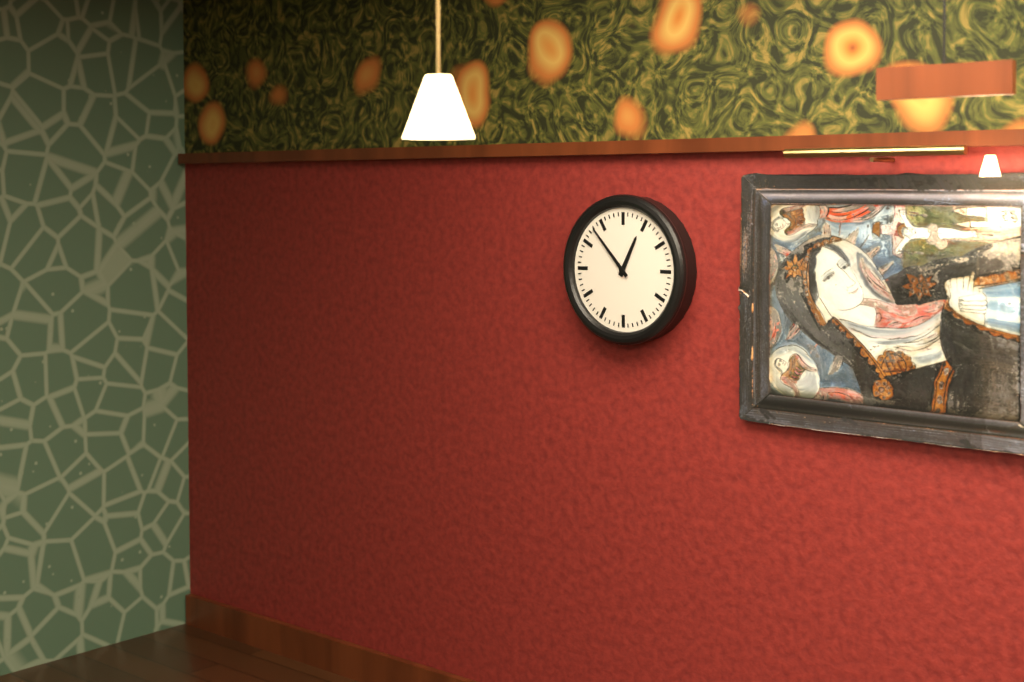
12:53
